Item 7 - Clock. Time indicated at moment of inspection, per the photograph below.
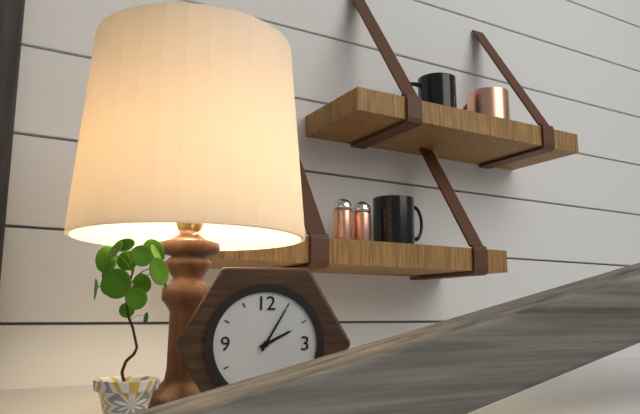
2:05
